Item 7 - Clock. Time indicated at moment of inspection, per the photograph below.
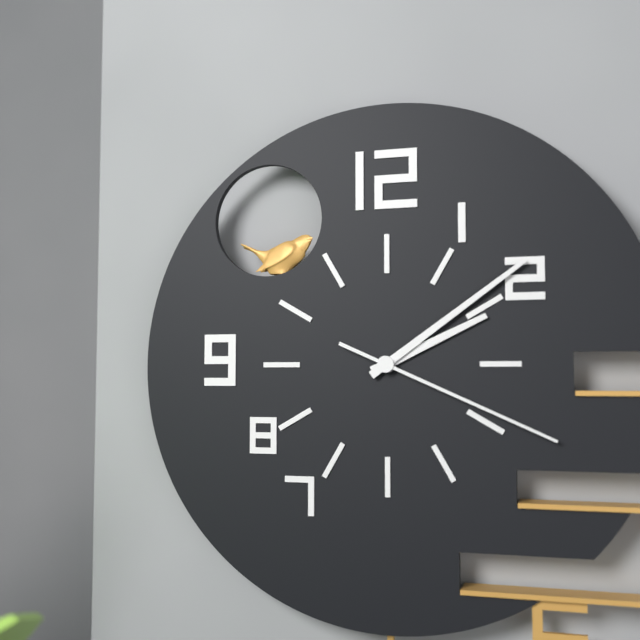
2:09:19
